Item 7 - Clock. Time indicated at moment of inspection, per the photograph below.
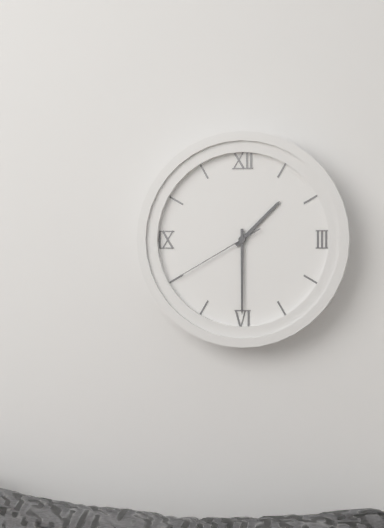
1:30:40
